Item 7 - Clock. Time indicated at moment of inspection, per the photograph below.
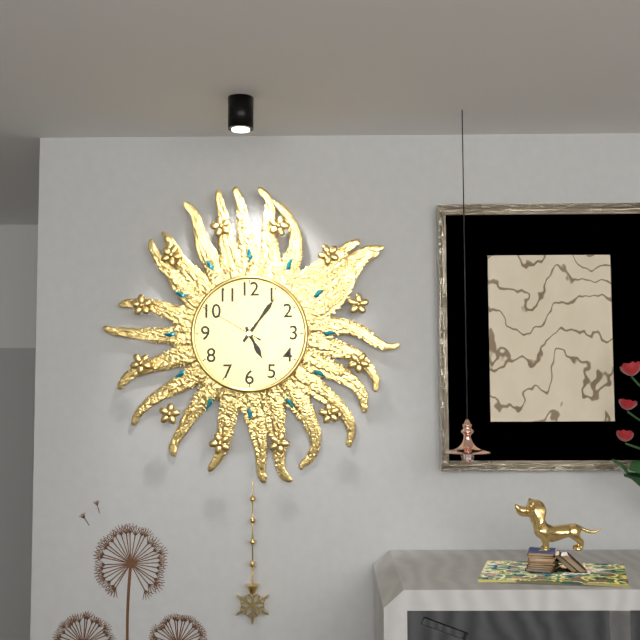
5:06:50
